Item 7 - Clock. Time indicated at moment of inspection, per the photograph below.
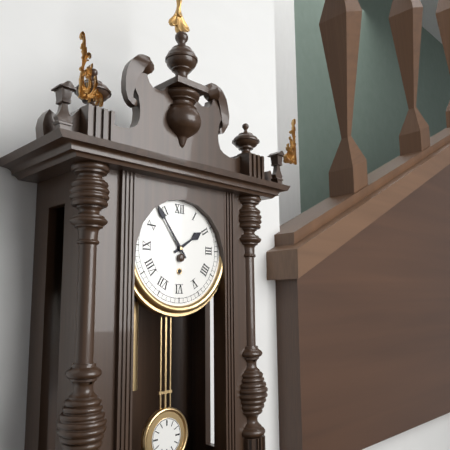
1:54
